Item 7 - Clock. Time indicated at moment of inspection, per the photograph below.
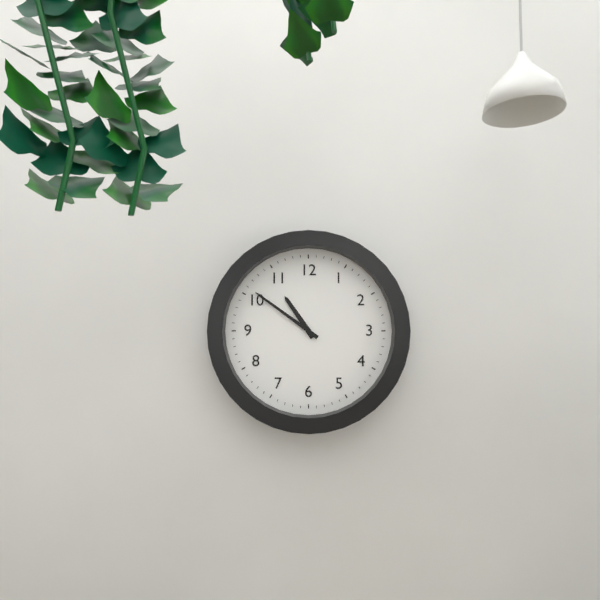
10:51
